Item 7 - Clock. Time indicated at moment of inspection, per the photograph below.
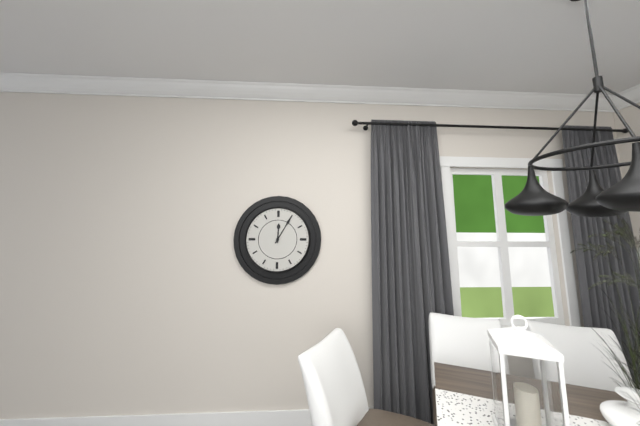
12:05
